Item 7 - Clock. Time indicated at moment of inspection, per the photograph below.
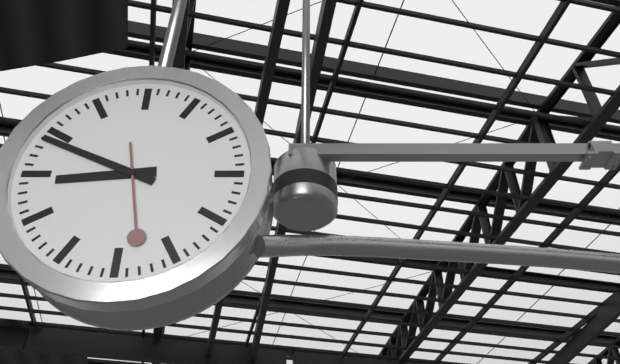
8:49:28
